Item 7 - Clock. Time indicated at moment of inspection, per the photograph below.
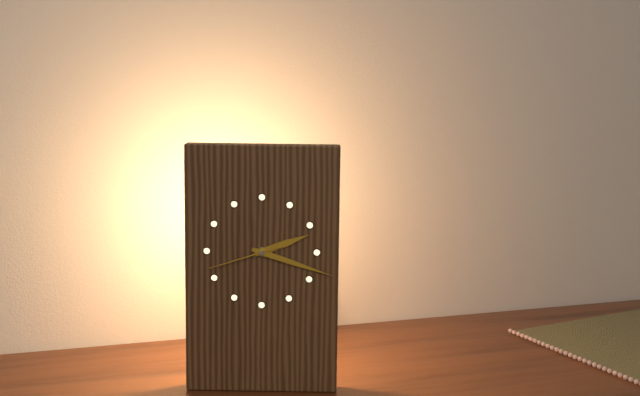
2:18:42
